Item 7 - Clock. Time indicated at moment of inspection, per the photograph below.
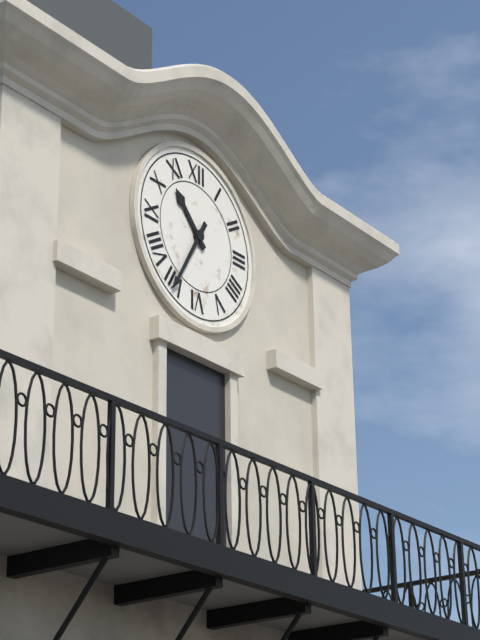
10:35
